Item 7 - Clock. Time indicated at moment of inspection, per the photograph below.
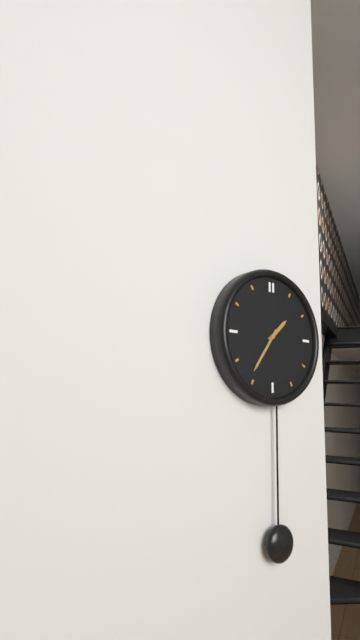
1:36
